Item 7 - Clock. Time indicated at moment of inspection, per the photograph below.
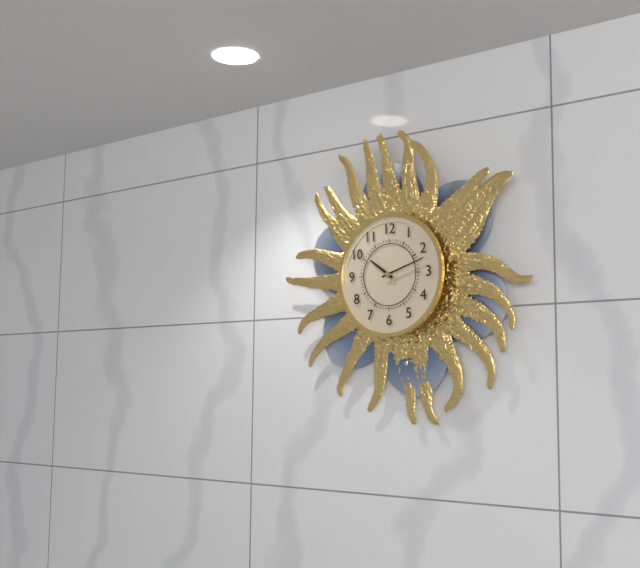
10:12
